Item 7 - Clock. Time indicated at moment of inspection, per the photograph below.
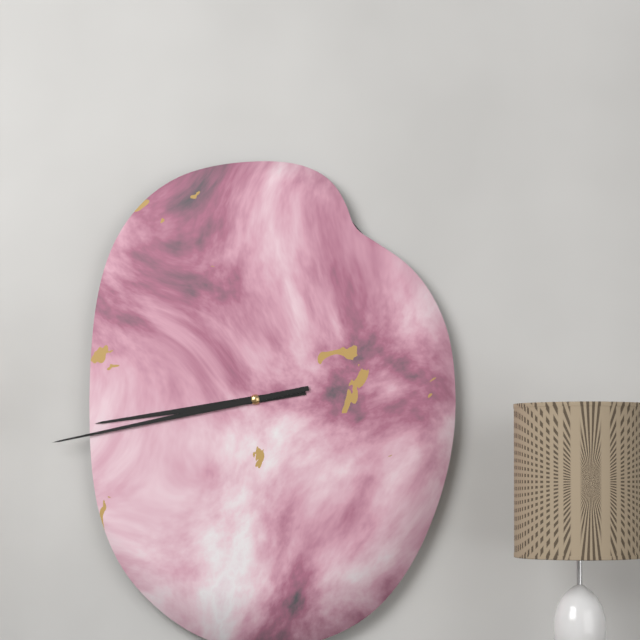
8:43
